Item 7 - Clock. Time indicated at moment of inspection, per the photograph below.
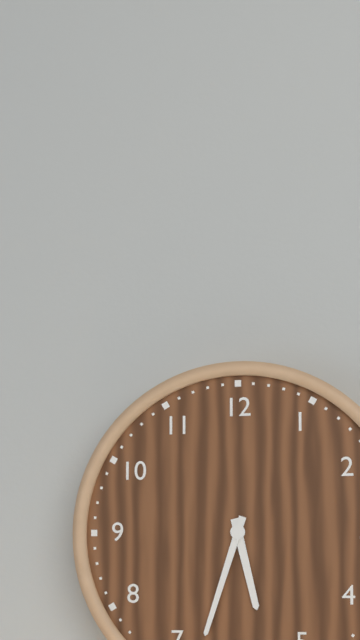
5:33
